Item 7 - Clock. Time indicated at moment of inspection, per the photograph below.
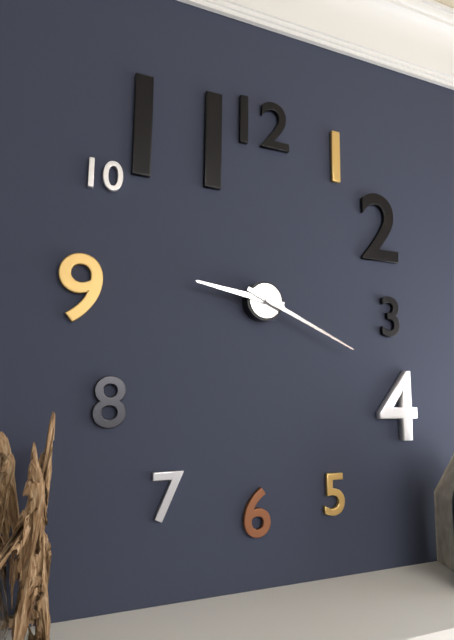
9:19
